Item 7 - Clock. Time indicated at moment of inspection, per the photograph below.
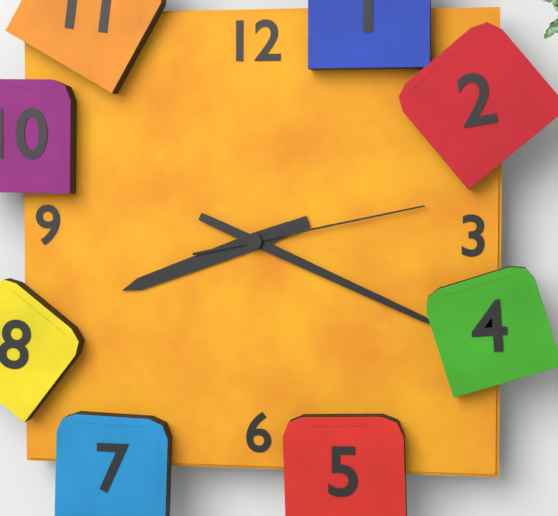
8:19:13
